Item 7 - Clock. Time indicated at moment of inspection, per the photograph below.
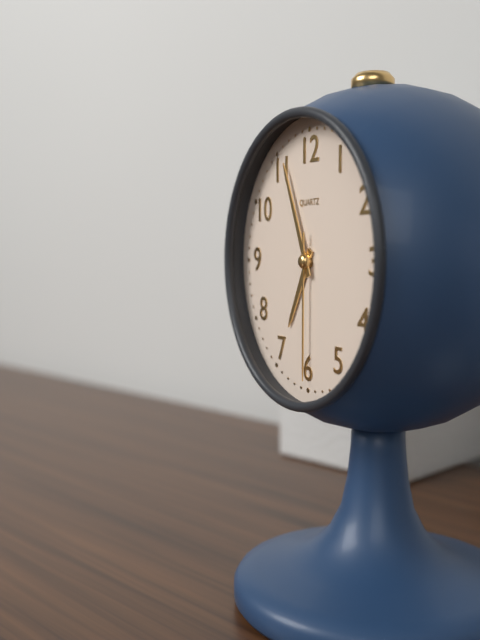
6:56:30
